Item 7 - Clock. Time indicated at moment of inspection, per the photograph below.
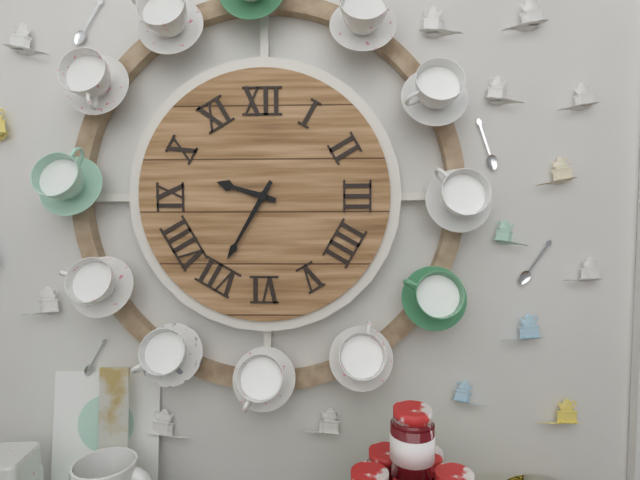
9:35
